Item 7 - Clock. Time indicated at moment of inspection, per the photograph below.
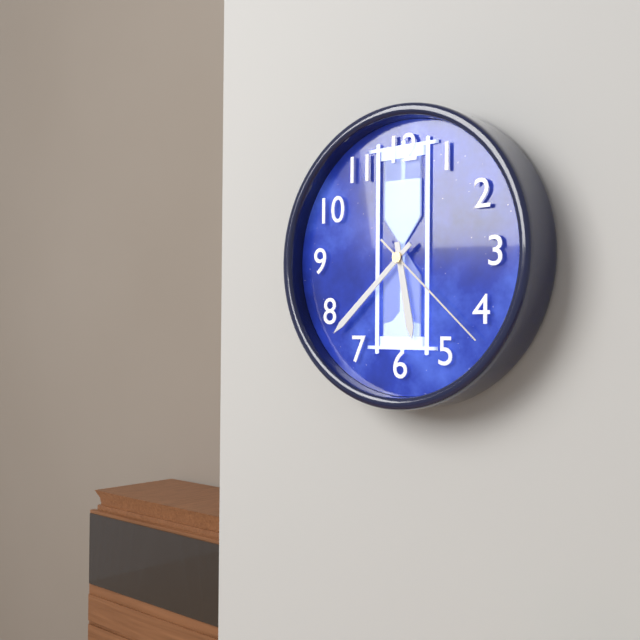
5:38:22
